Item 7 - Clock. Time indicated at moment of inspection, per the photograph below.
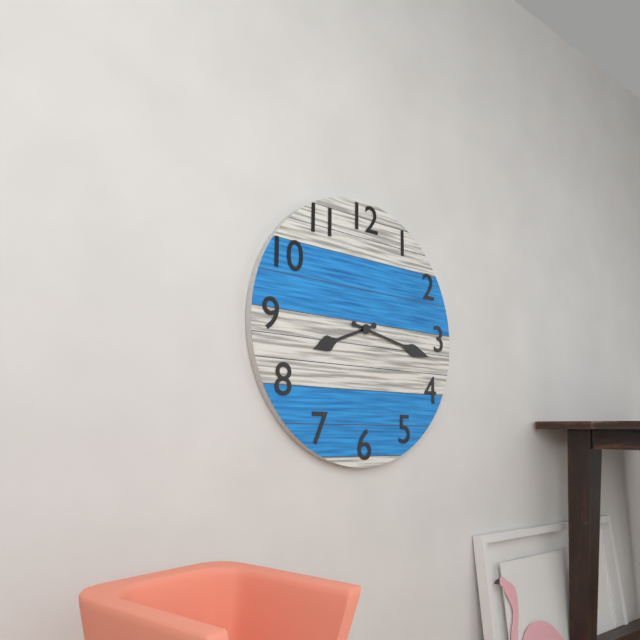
8:17
